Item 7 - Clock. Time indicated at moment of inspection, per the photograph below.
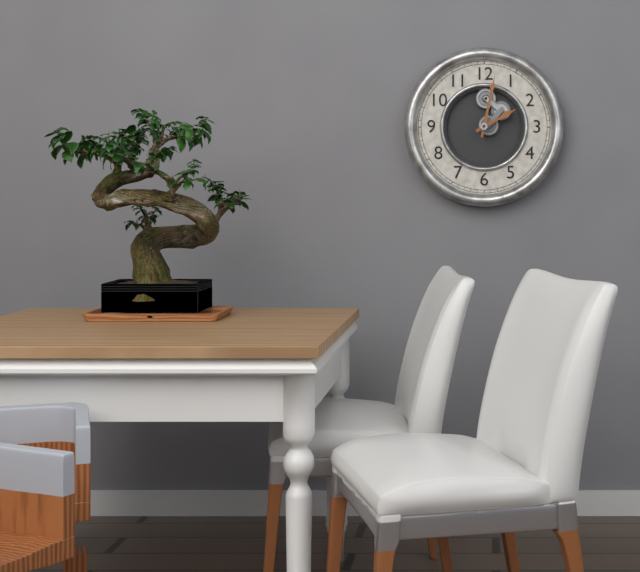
2:02
